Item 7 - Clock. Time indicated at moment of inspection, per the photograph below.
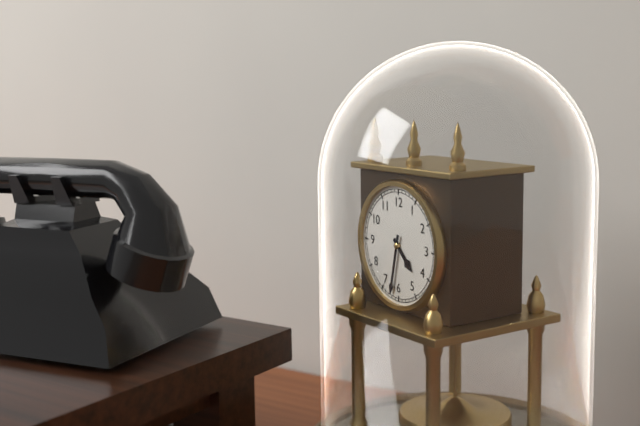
4:32
